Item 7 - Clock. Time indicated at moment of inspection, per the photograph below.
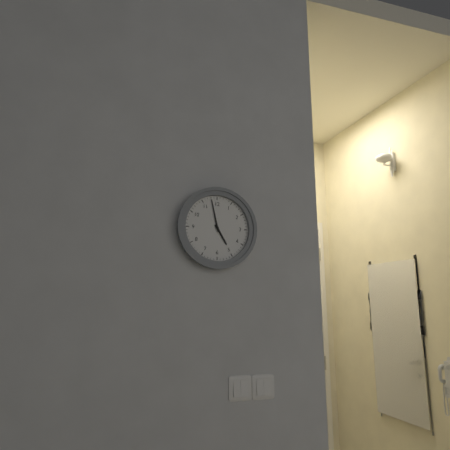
4:58
